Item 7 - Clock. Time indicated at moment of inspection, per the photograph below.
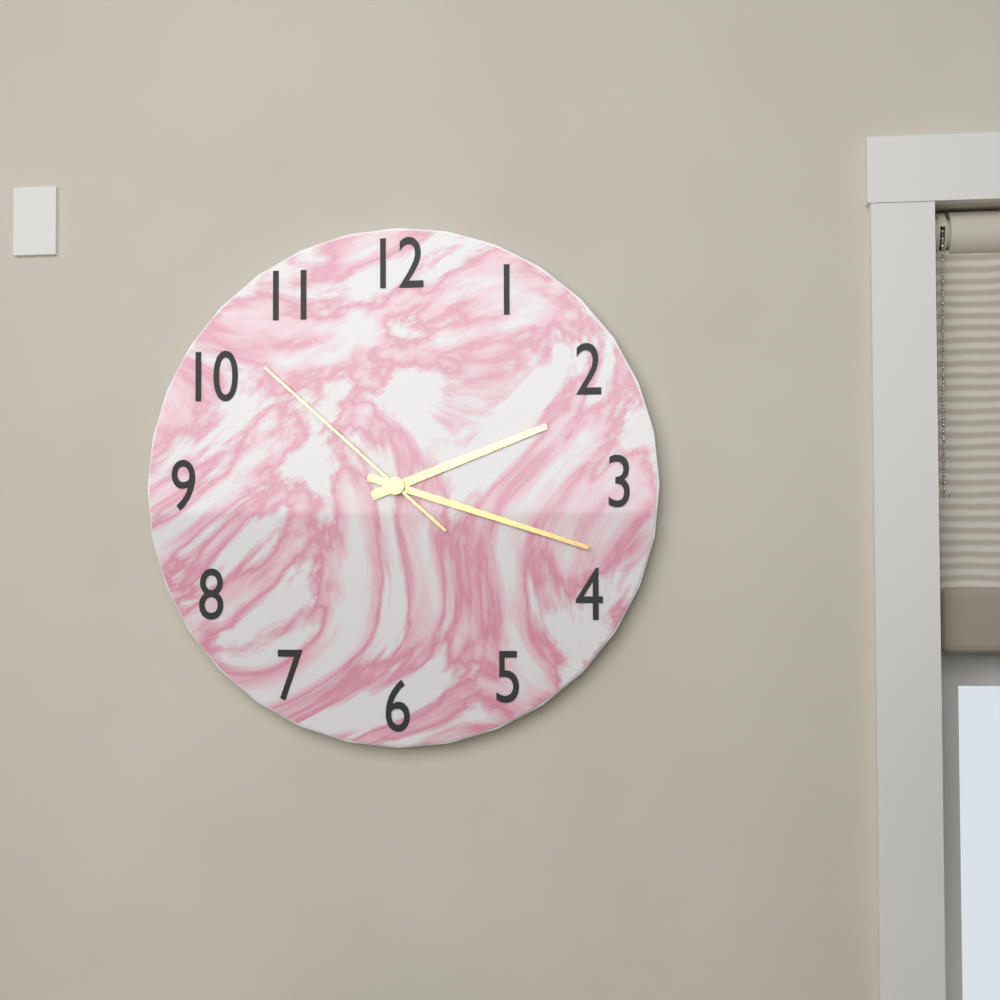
2:18:52
